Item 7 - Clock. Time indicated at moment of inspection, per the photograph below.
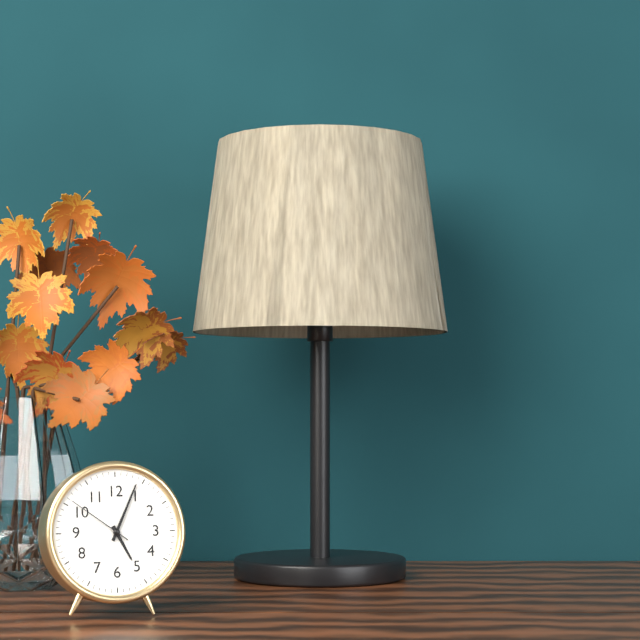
5:04:51
